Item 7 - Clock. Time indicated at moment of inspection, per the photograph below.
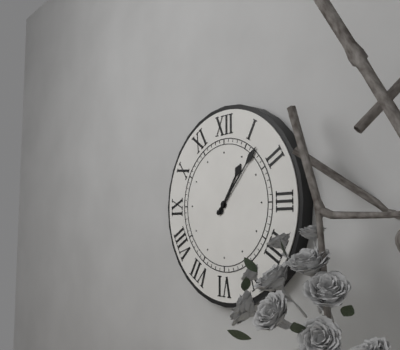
1:07
